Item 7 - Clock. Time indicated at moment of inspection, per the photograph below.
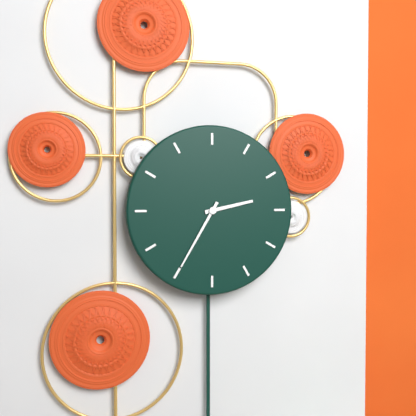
2:35
